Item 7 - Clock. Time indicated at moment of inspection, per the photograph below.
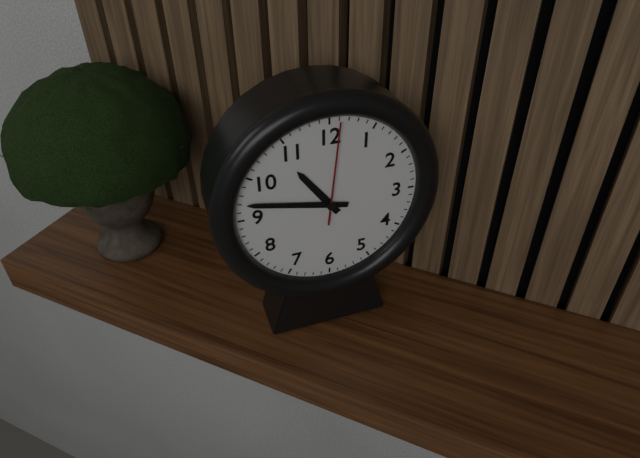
10:47:01
